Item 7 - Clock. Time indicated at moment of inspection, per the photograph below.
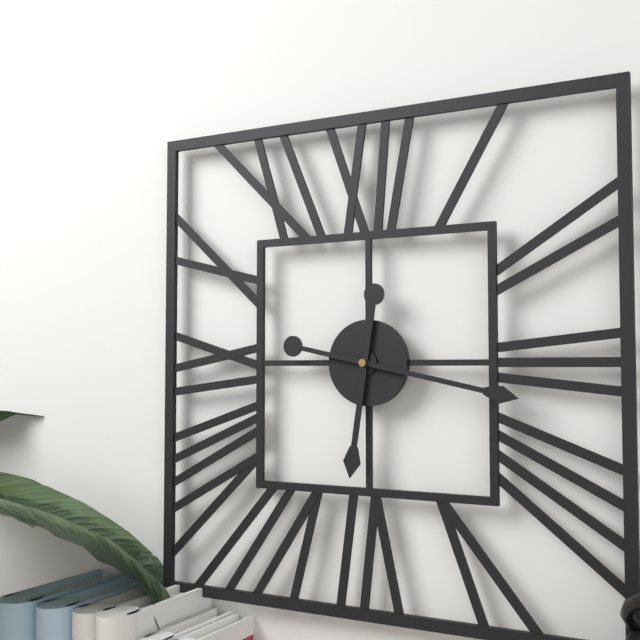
6:17
